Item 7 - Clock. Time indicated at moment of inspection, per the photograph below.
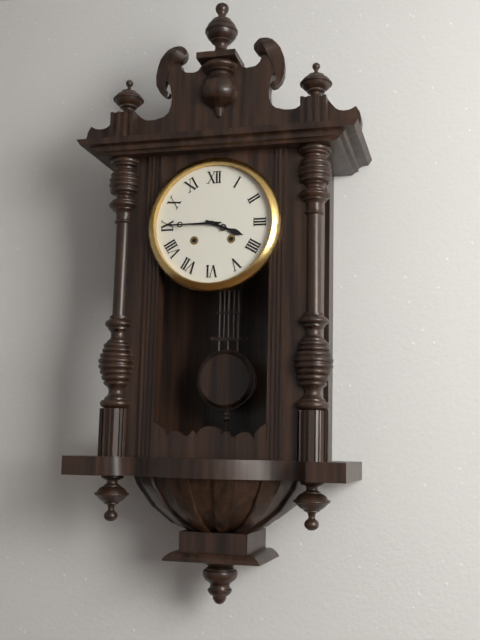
3:45
